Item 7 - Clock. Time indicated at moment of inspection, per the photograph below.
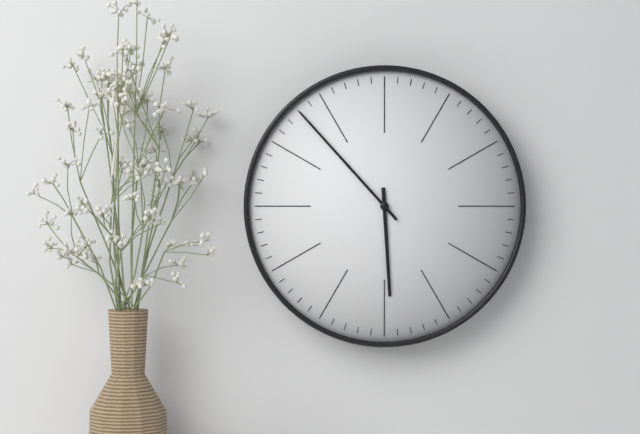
5:53
